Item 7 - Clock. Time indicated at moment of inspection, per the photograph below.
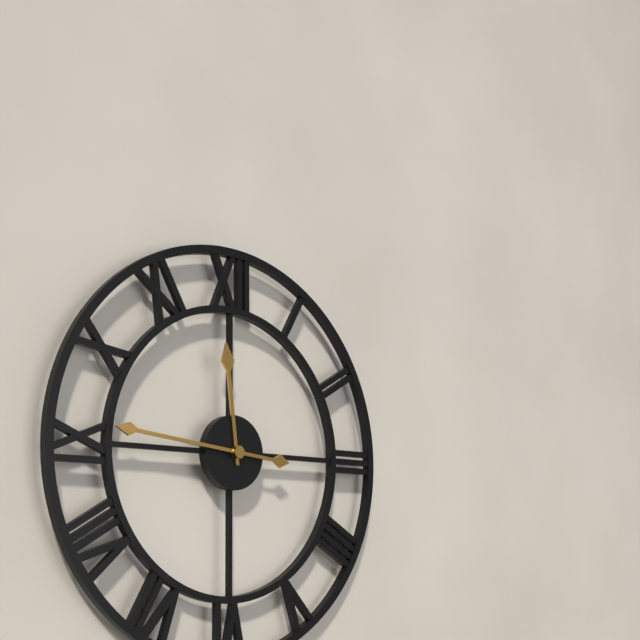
11:46
